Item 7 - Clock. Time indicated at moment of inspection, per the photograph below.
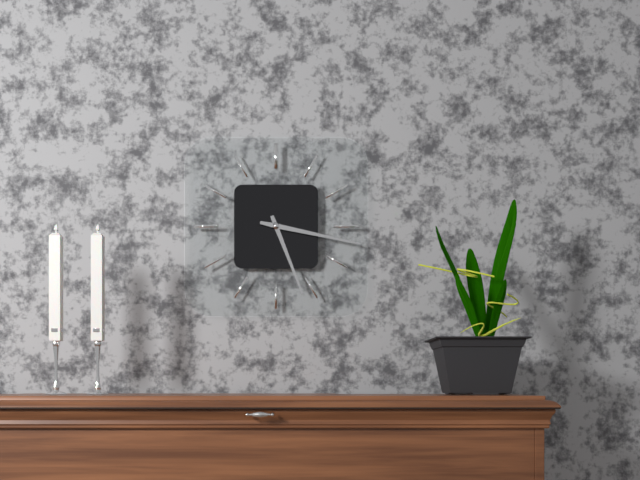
5:17
